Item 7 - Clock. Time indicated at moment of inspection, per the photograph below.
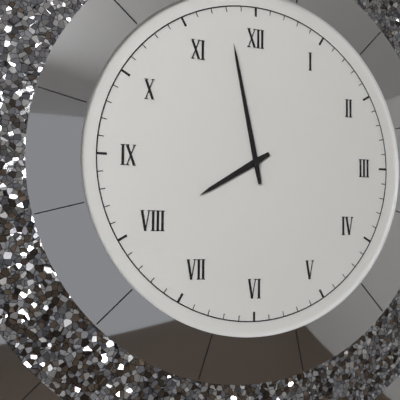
7:58
